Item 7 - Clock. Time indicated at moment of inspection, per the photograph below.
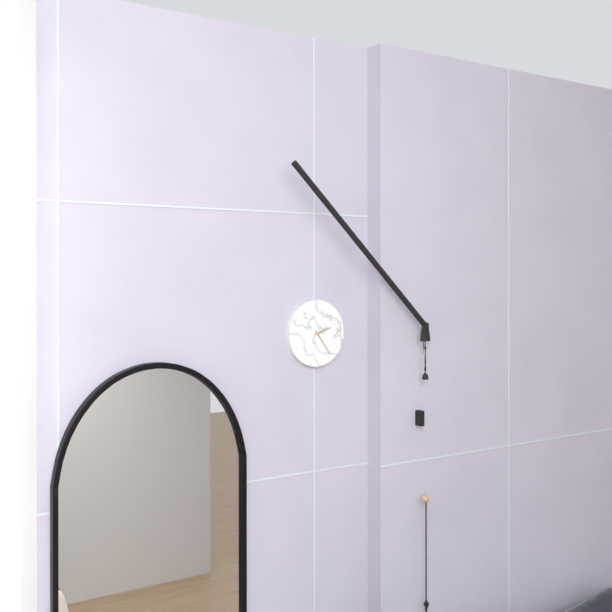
2:24
